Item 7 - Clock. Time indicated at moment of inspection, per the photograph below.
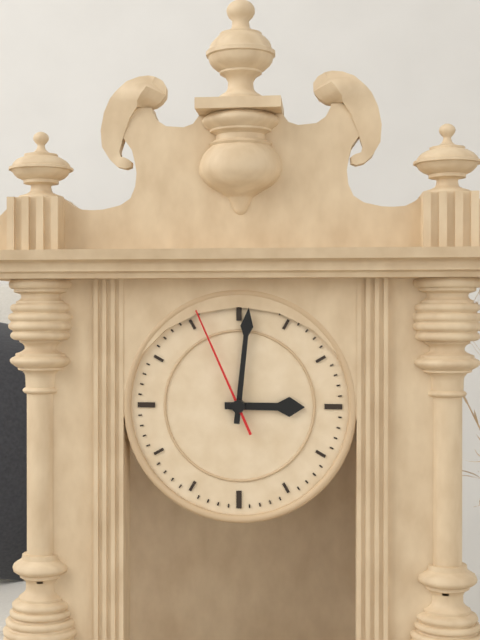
3:01:56
